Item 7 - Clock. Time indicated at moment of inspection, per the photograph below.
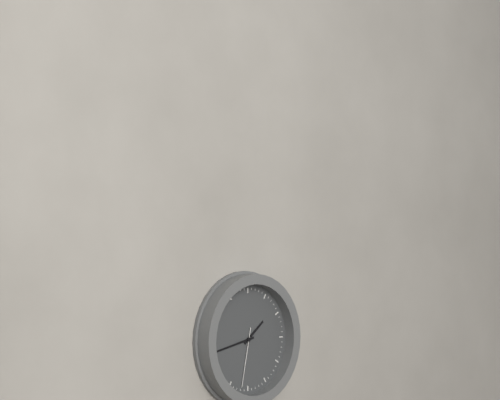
1:43:32
